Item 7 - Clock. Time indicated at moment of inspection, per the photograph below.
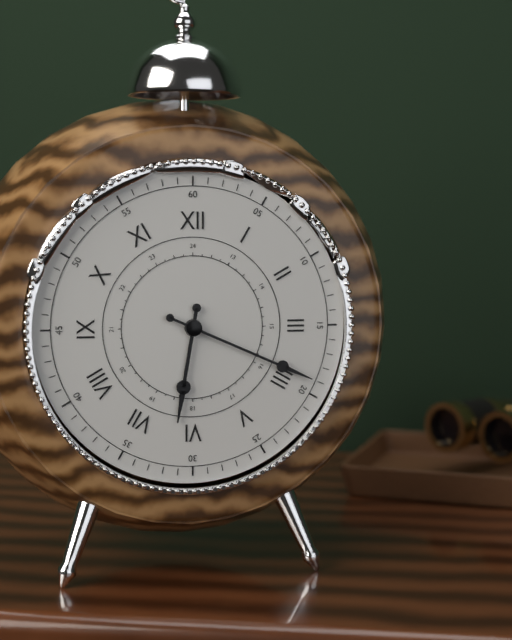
6:19
